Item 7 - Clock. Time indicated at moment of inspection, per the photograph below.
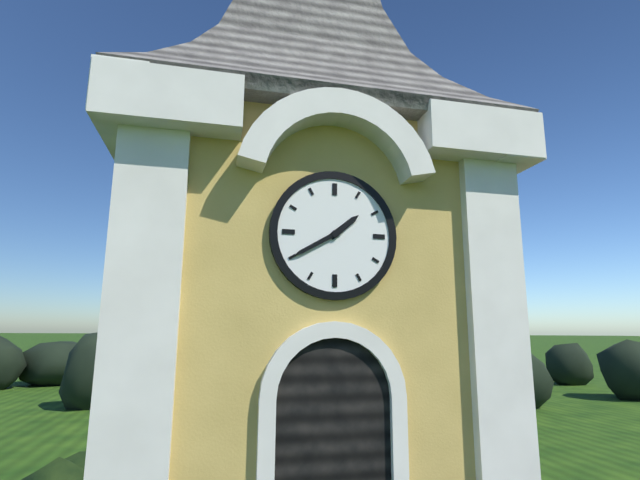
1:40
